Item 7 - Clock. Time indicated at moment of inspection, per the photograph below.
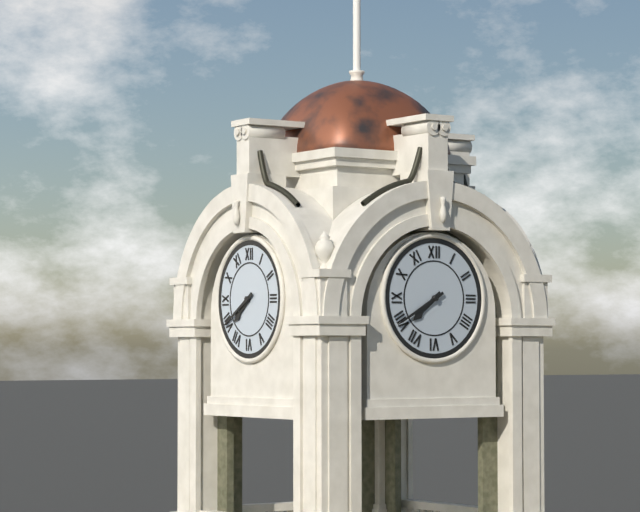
7:40
